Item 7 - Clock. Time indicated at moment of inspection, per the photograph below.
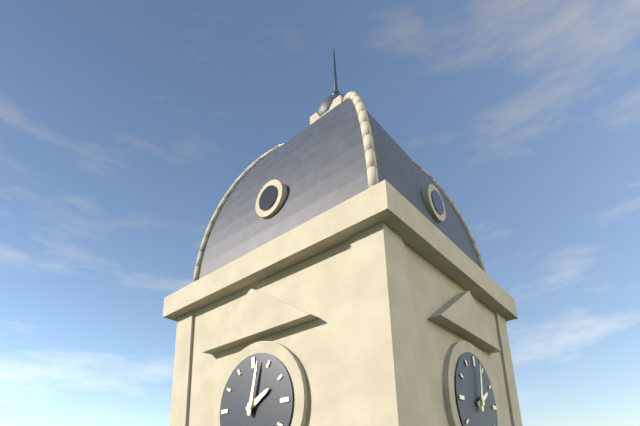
2:02
